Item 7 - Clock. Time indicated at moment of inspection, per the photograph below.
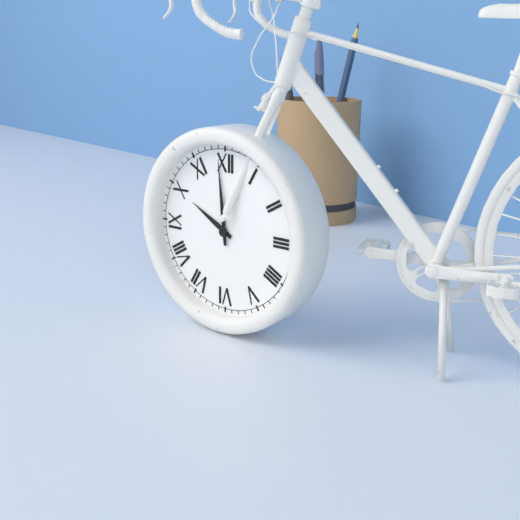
9:59
